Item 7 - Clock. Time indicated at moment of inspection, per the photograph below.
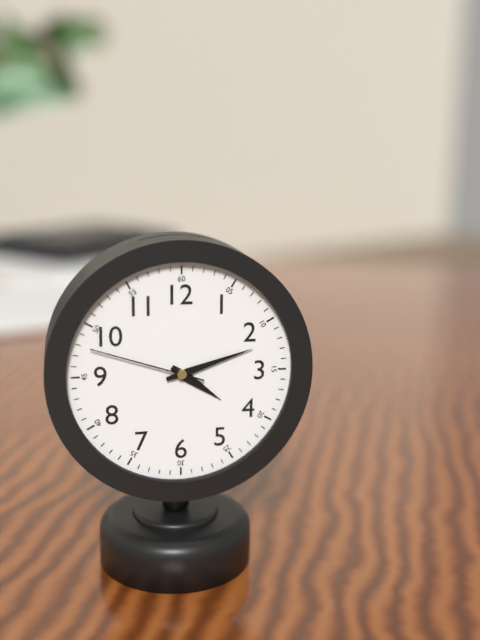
4:12:48
